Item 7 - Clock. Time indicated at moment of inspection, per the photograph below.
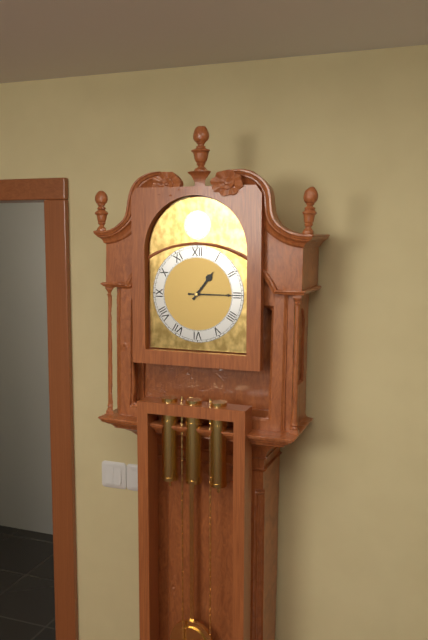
1:15
